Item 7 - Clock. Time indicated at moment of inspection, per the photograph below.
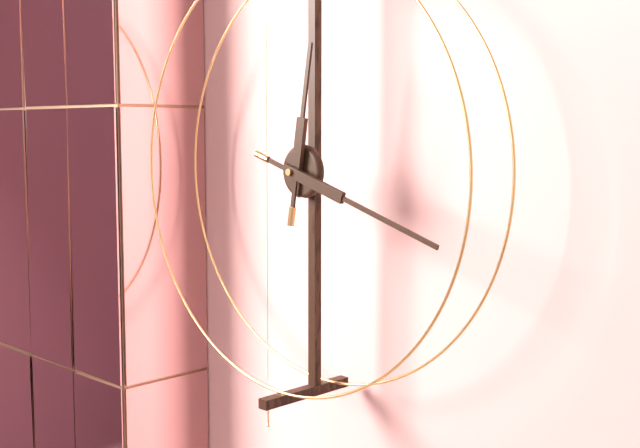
12:18
